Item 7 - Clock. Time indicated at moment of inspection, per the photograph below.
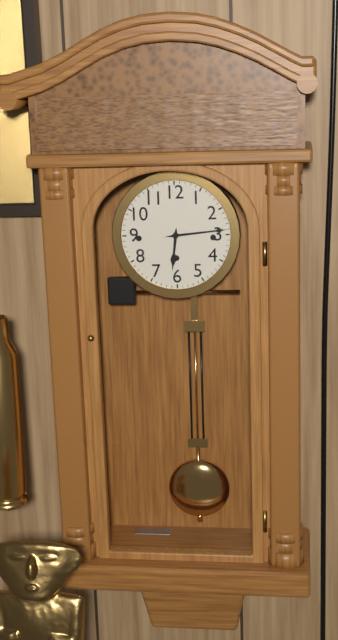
6:14
